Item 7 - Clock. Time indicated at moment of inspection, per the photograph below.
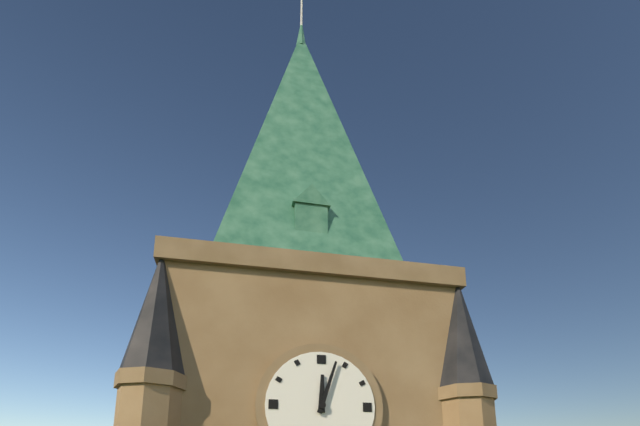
12:03
